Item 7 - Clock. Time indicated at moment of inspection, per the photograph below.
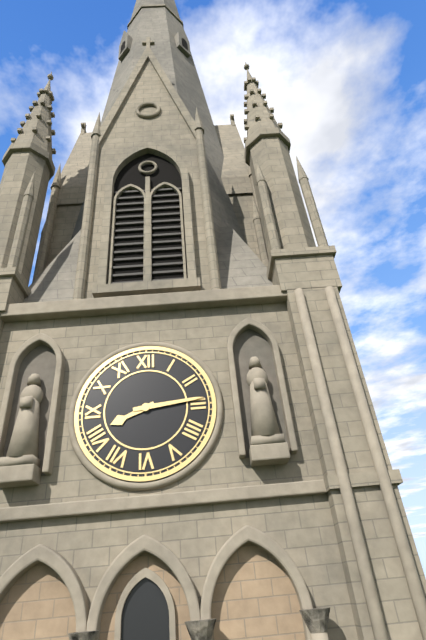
8:14
